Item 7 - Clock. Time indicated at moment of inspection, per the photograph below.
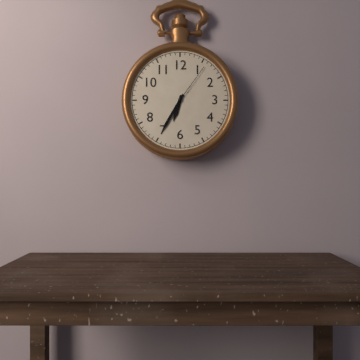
6:35:06
